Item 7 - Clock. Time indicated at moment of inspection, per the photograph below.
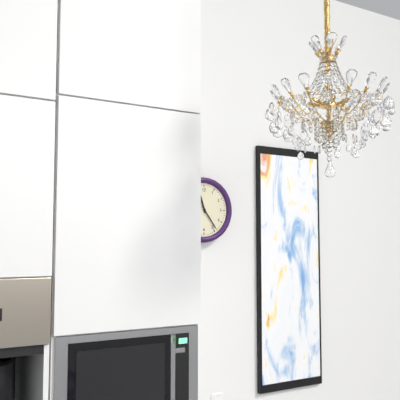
11:24
